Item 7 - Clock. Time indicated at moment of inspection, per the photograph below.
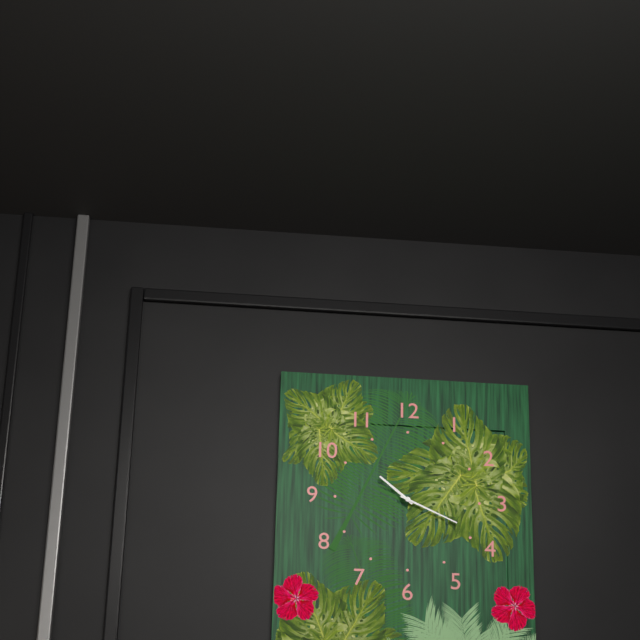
10:19
